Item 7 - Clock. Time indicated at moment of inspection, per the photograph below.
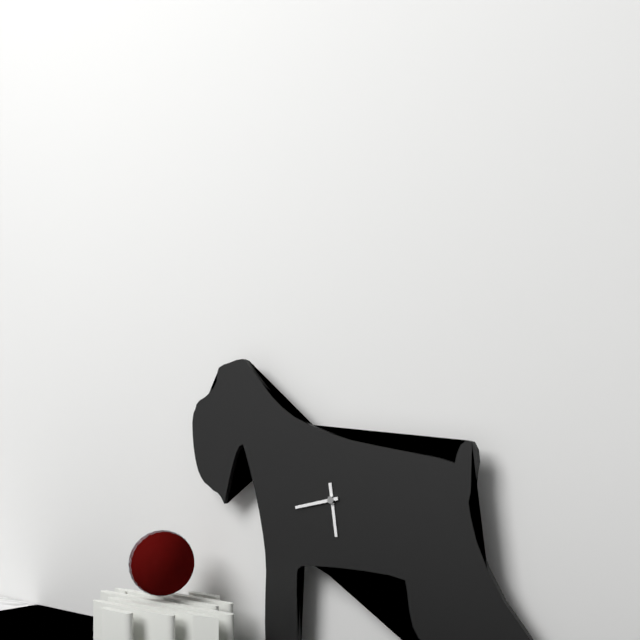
5:43
